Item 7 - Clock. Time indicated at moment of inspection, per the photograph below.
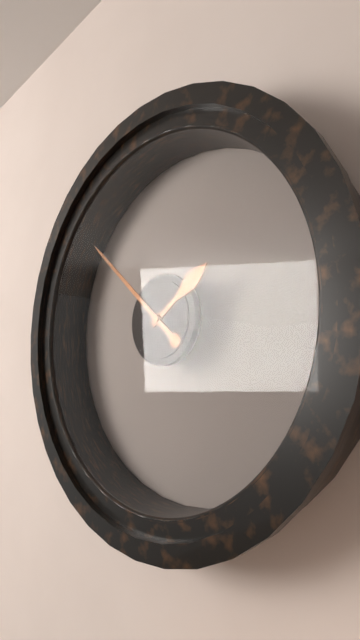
1:52
